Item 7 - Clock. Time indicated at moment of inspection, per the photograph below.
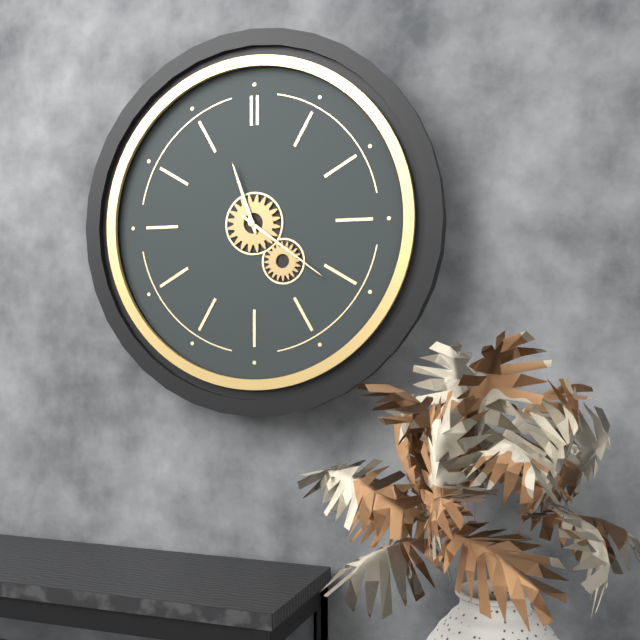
11:21
